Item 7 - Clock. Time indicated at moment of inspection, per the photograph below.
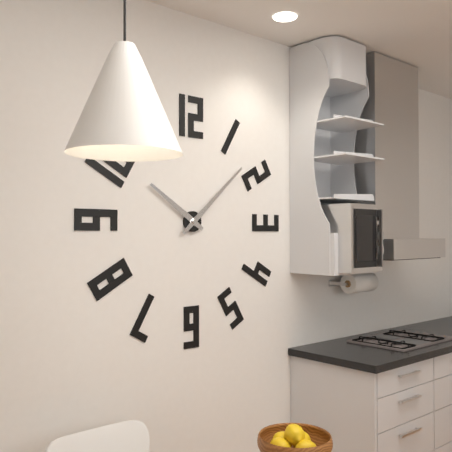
10:08
